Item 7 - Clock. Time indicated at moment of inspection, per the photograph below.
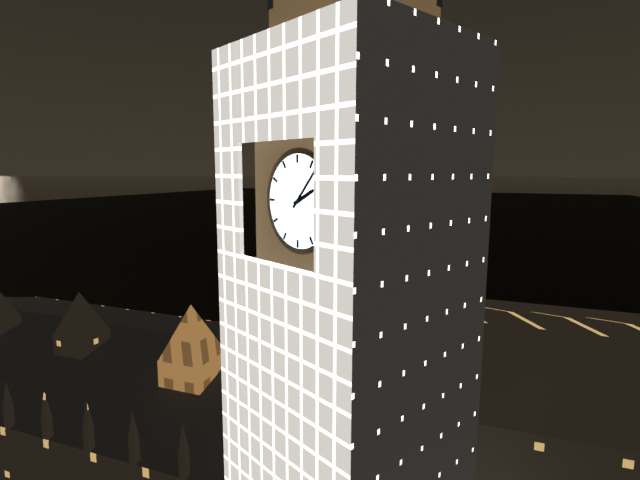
2:07
